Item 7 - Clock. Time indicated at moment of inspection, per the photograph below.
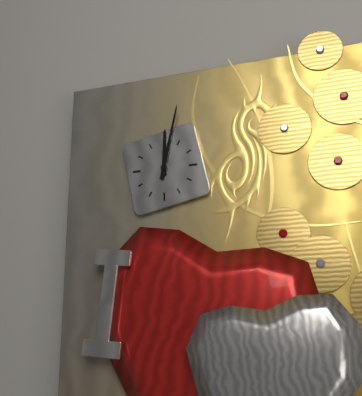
12:02
